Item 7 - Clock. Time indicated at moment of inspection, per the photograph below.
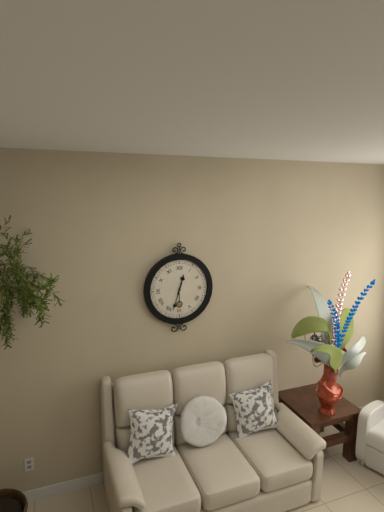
12:33
